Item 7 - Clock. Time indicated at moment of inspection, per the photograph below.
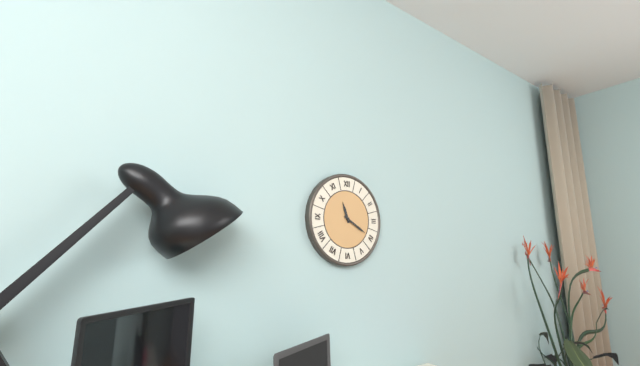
11:20
